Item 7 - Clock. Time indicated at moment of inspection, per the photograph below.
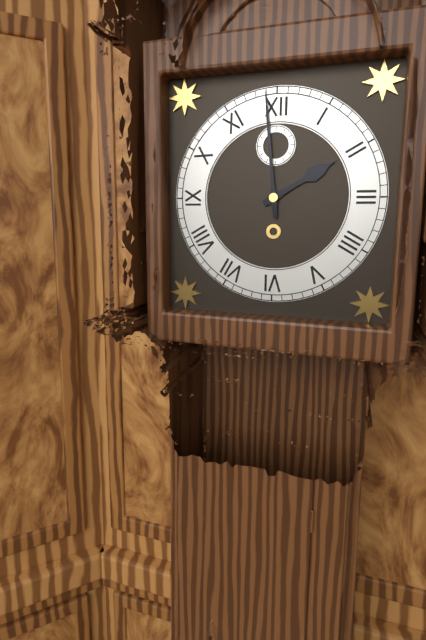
1:59
